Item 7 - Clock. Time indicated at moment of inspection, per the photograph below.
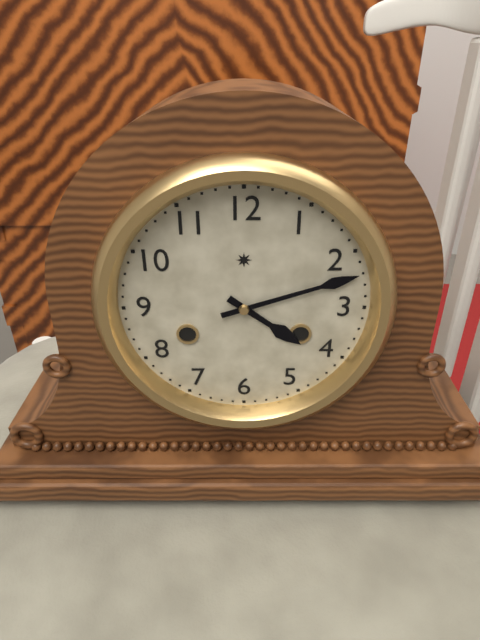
4:12
